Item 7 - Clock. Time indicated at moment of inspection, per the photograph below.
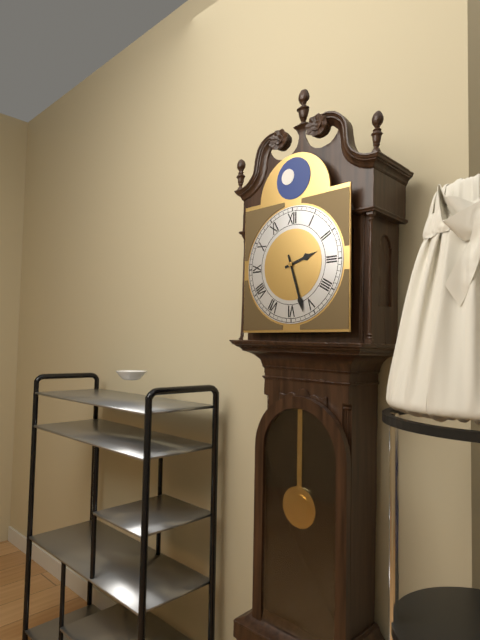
2:27
